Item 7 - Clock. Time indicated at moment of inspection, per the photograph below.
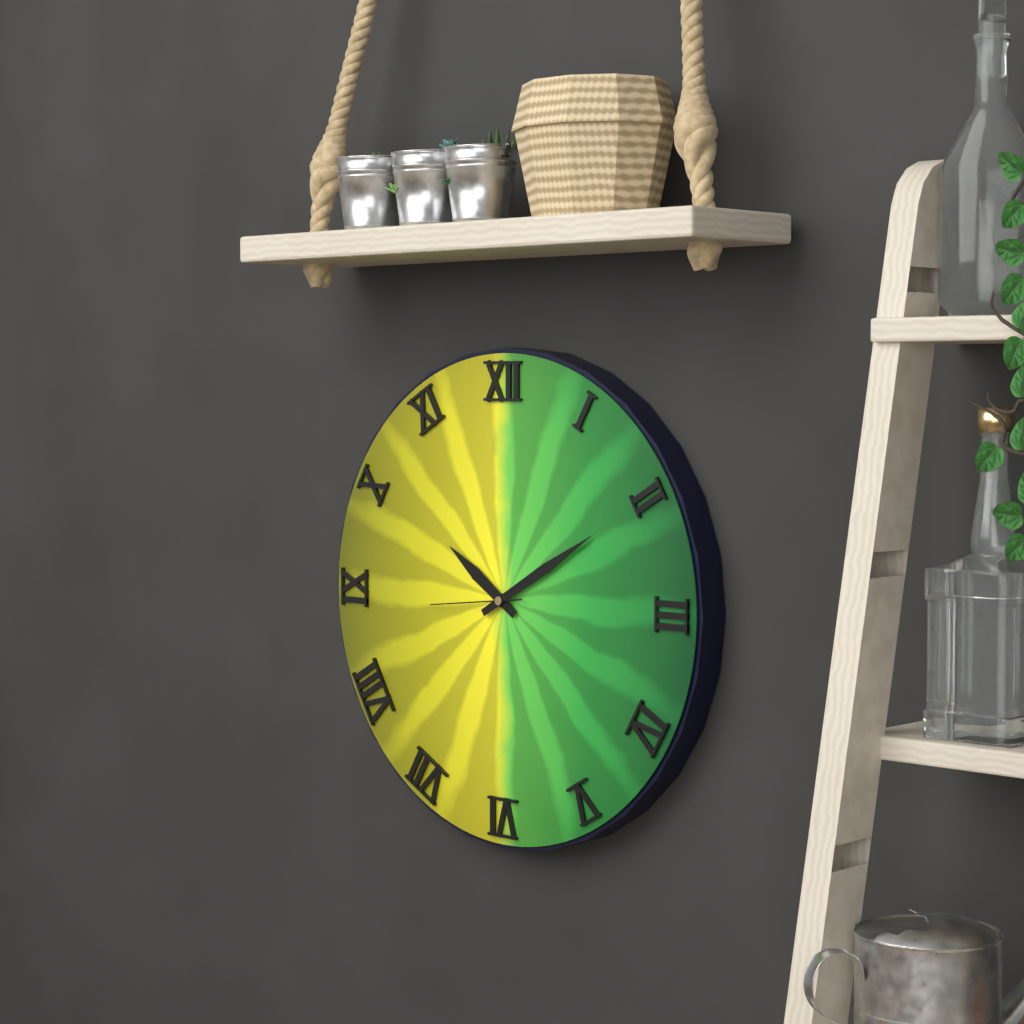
10:10:44
